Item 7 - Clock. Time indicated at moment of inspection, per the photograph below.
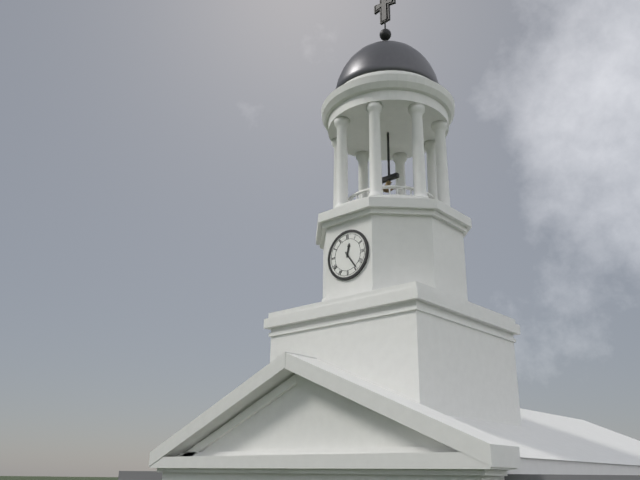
12:24
